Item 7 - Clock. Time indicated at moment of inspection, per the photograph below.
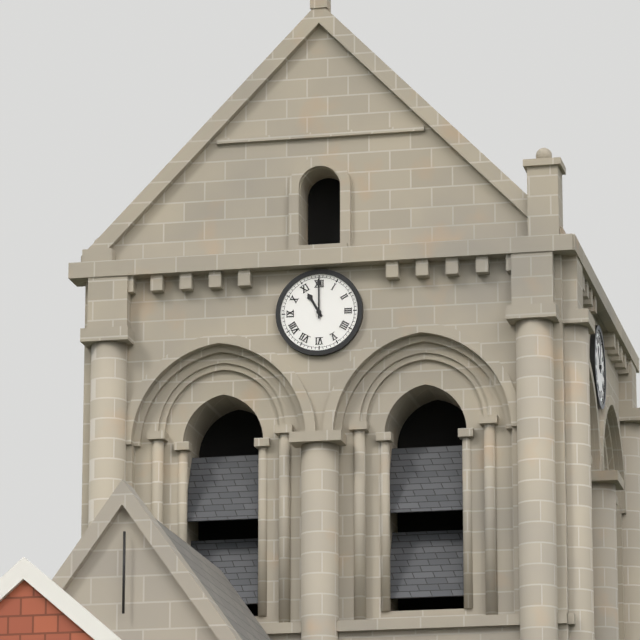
11:00
